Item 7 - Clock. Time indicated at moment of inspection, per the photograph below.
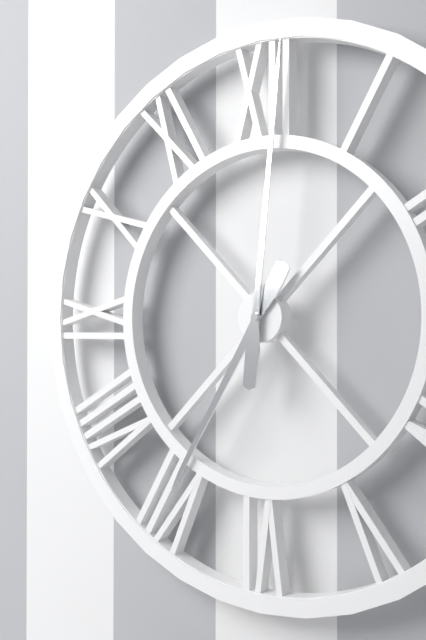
7:01
